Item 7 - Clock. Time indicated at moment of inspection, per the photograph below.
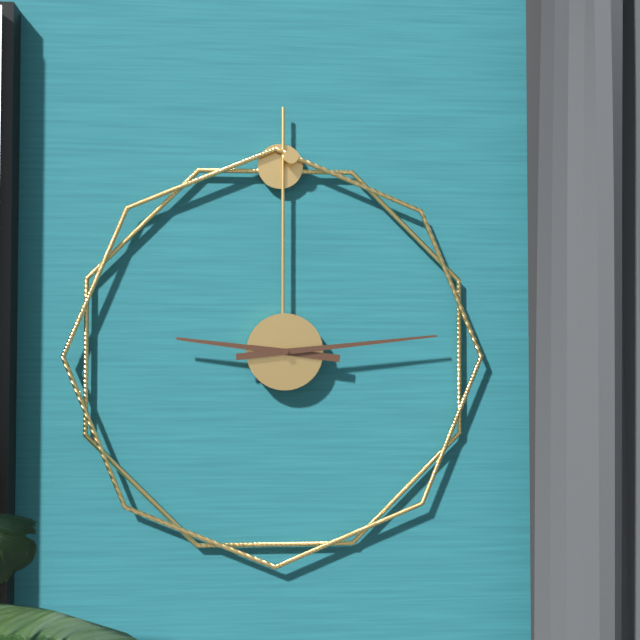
9:14
